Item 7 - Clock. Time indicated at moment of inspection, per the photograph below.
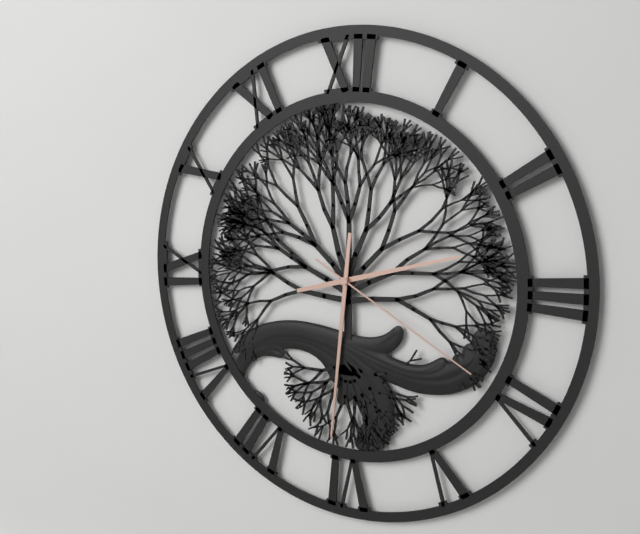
2:31:20
